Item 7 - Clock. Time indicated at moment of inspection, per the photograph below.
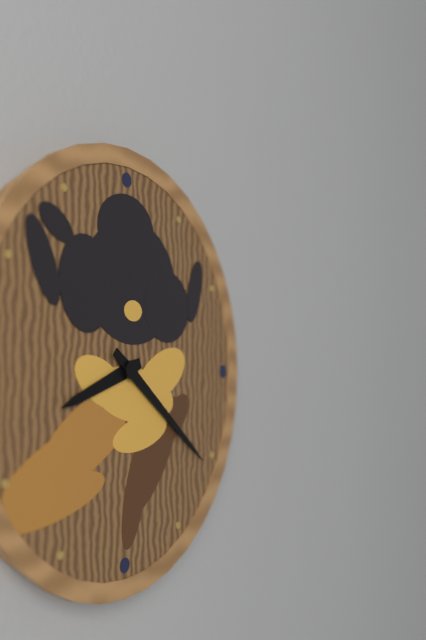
8:21
